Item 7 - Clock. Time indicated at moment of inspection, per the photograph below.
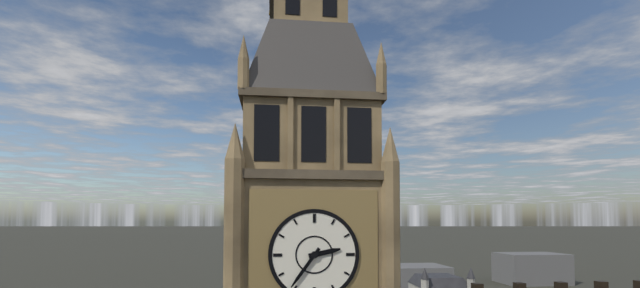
2:36
